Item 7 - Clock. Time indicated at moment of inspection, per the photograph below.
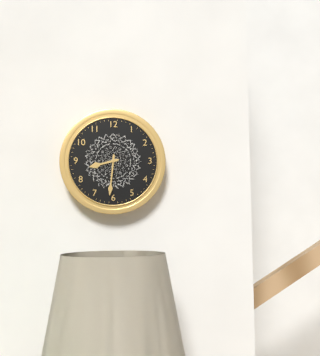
8:31
